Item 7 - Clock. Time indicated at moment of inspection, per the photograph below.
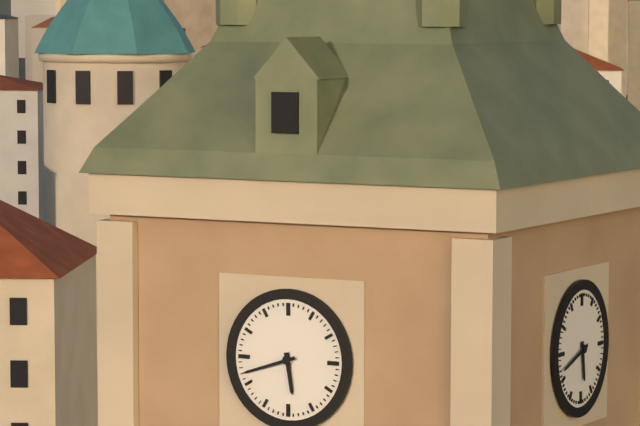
5:42
